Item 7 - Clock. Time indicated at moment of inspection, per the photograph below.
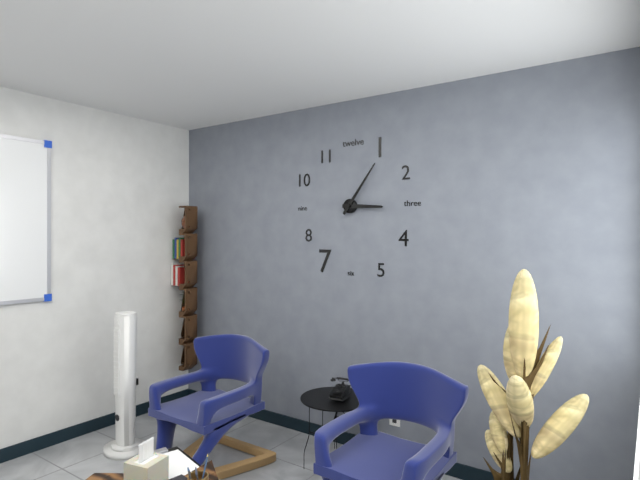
3:06
